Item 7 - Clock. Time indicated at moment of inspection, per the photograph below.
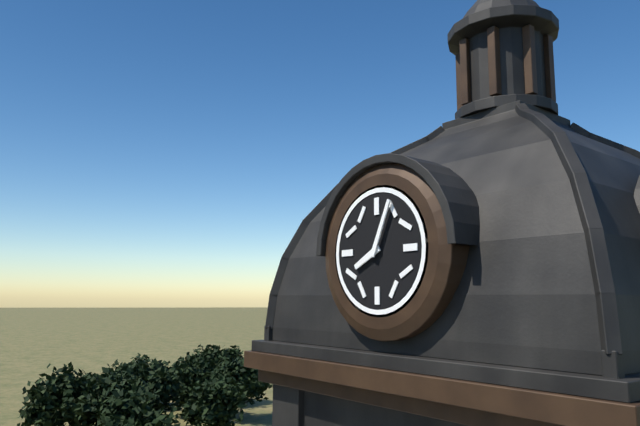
8:04
